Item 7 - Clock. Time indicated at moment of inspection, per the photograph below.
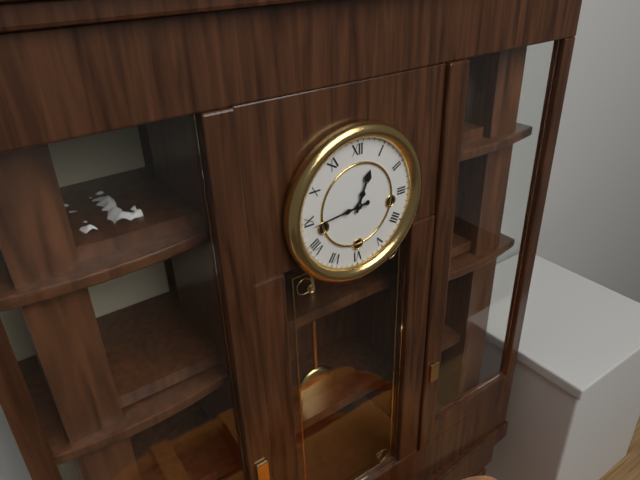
12:44
